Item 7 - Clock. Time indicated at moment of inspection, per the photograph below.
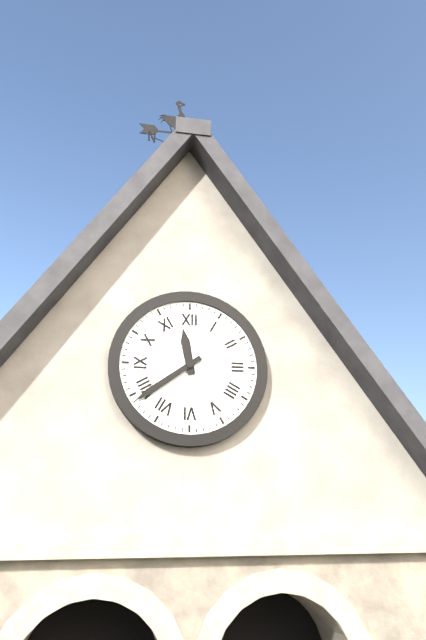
11:39
